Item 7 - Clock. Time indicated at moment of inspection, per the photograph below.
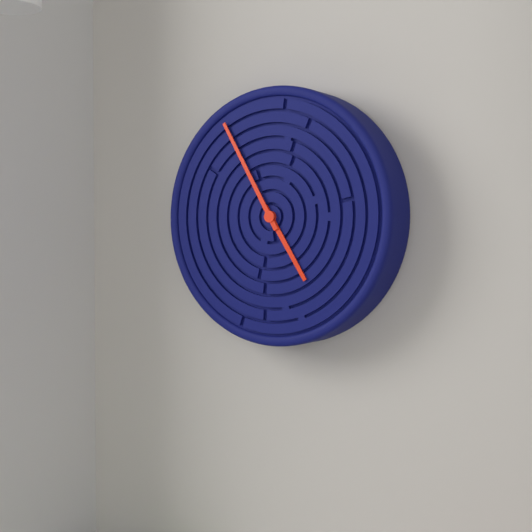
4:55
